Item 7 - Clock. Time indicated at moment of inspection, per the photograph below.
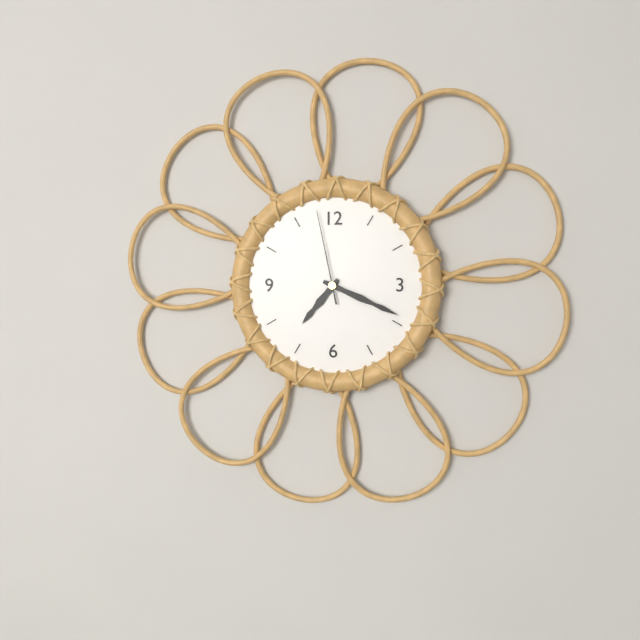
7:19:58
